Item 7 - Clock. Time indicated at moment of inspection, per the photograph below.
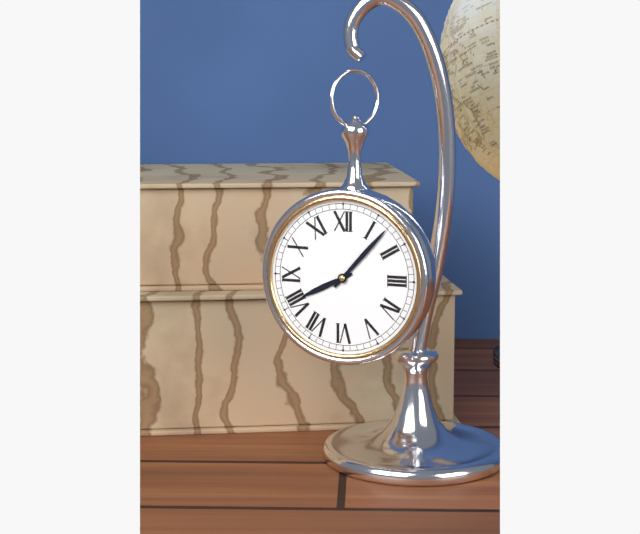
8:07
